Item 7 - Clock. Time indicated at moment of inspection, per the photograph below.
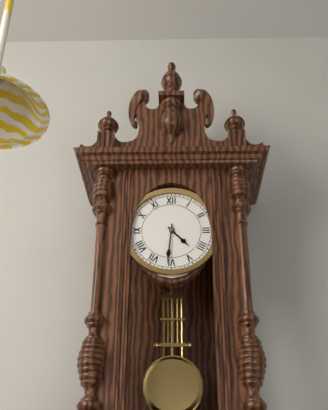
4:31
